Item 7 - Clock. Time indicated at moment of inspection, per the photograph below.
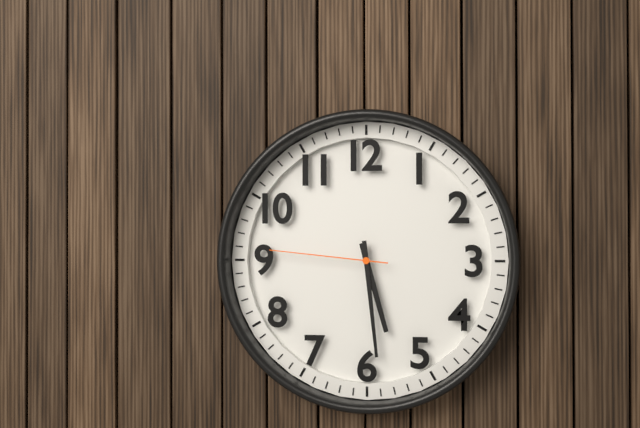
5:29:46
